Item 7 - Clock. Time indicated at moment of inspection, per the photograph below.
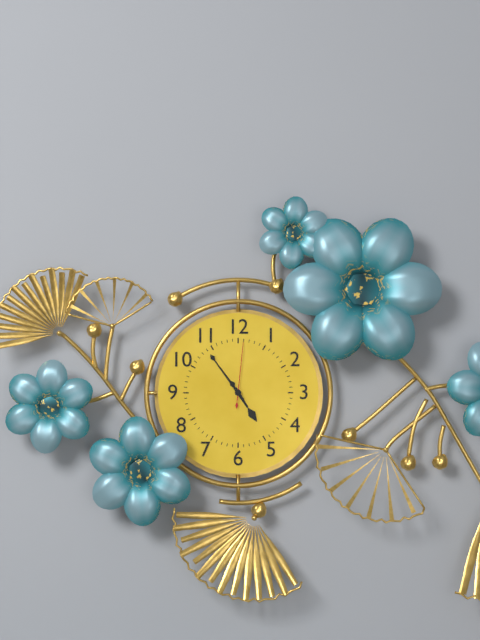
4:54:01
